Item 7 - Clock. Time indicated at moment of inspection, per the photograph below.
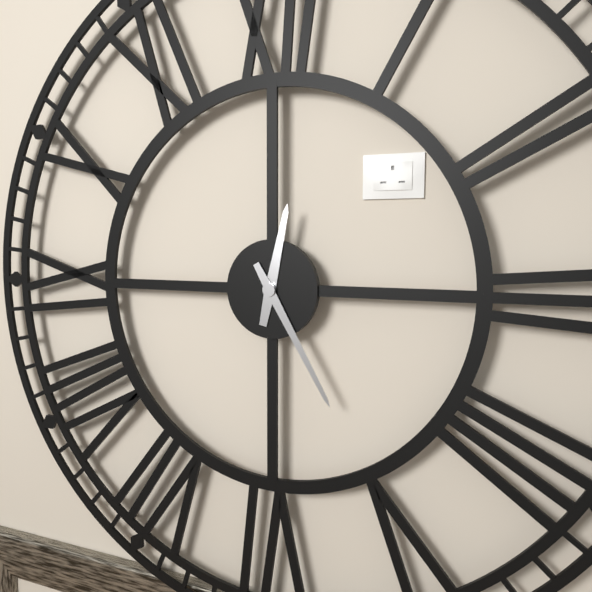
12:25
